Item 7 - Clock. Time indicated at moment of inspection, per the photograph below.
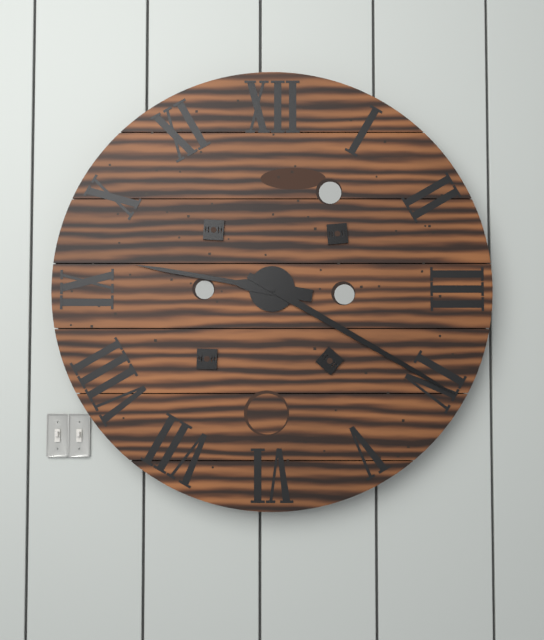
9:20
